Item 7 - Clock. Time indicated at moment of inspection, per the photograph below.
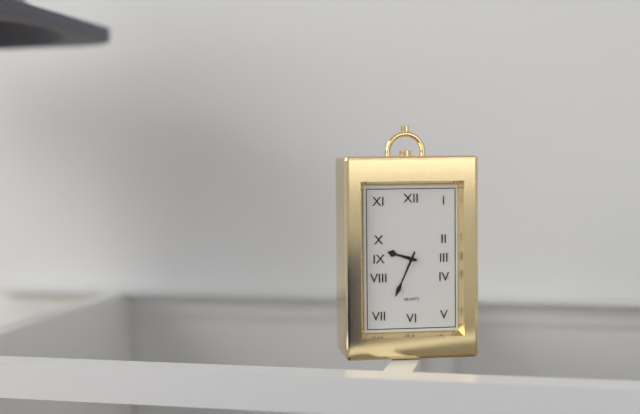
9:34
